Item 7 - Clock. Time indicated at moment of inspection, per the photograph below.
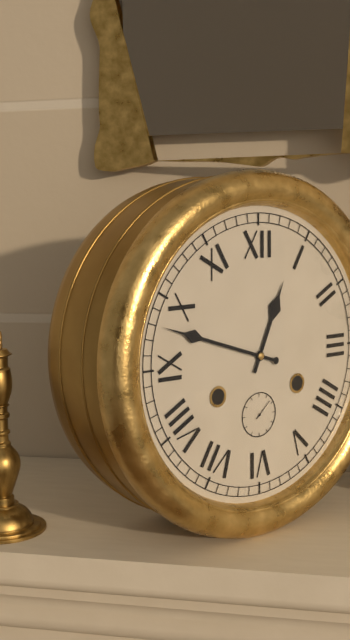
12:48
